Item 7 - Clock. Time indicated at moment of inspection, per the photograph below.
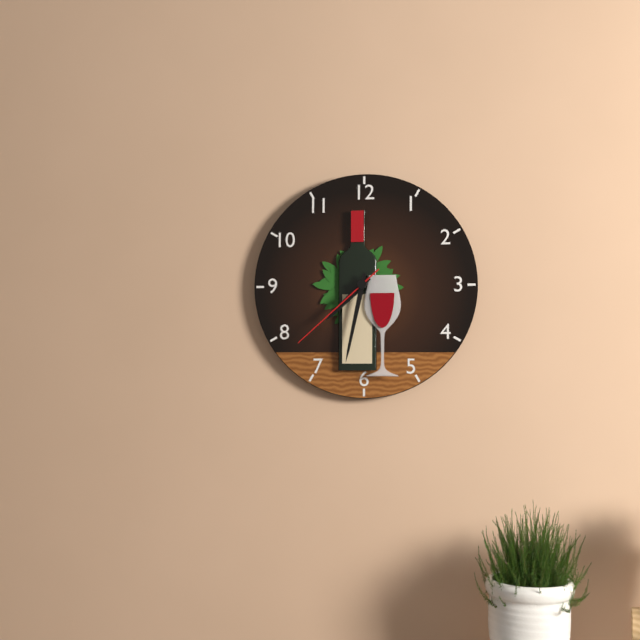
7:32:38
